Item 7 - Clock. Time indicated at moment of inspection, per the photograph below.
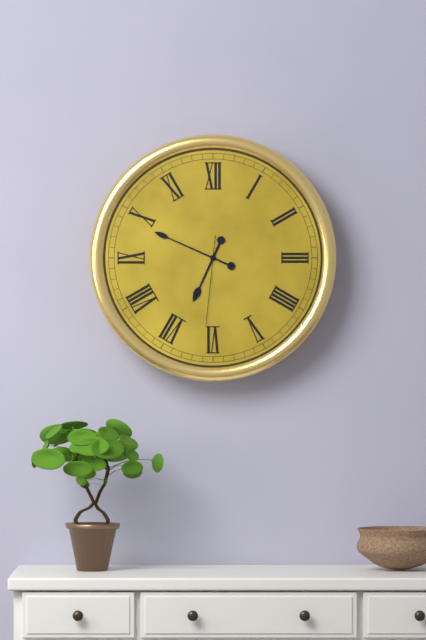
6:49:31
